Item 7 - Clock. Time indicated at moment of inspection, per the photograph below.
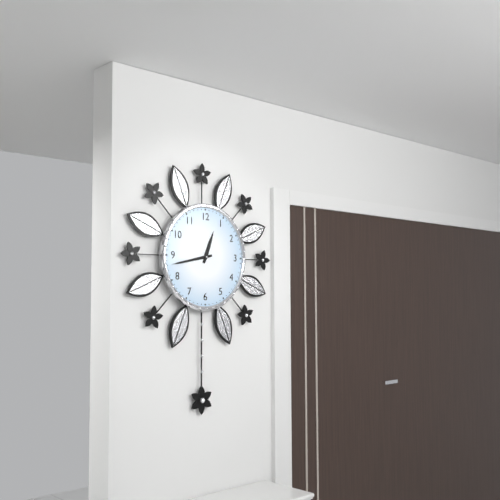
12:43
